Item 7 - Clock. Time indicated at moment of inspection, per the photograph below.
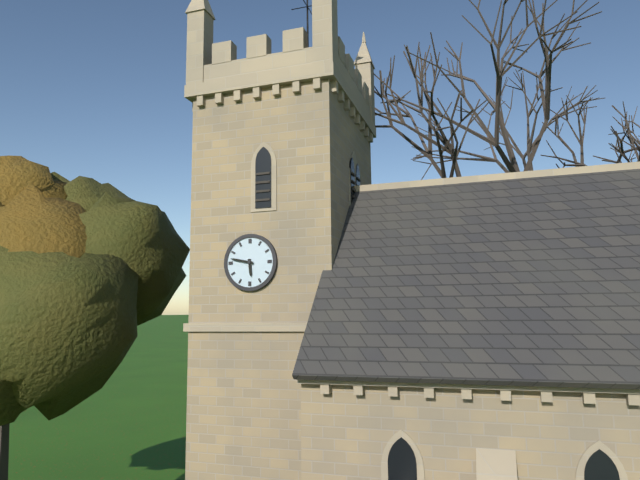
5:47
